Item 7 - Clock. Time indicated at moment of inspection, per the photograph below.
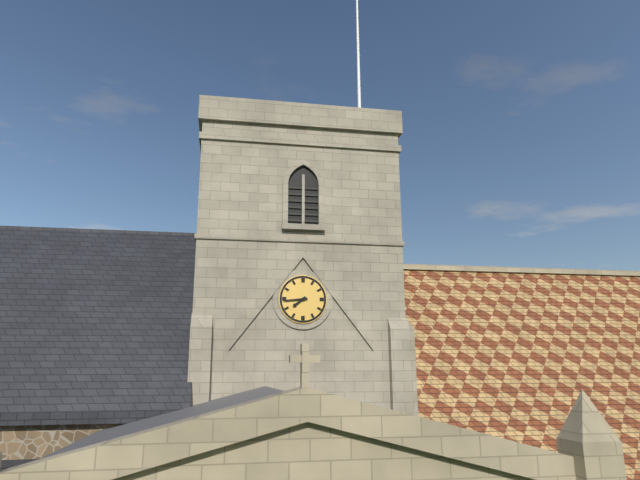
7:44
